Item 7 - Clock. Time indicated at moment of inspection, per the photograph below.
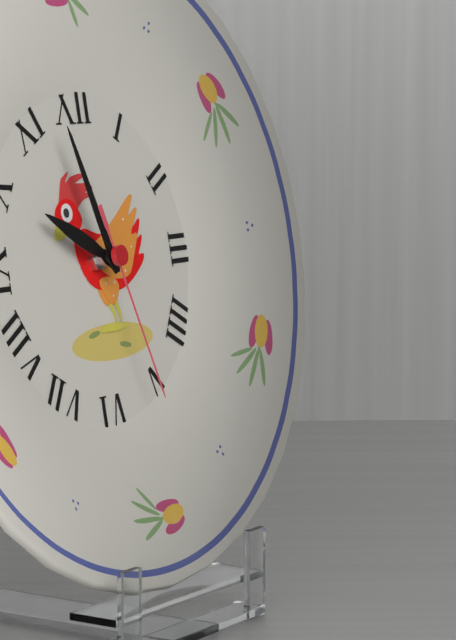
9:57:27
